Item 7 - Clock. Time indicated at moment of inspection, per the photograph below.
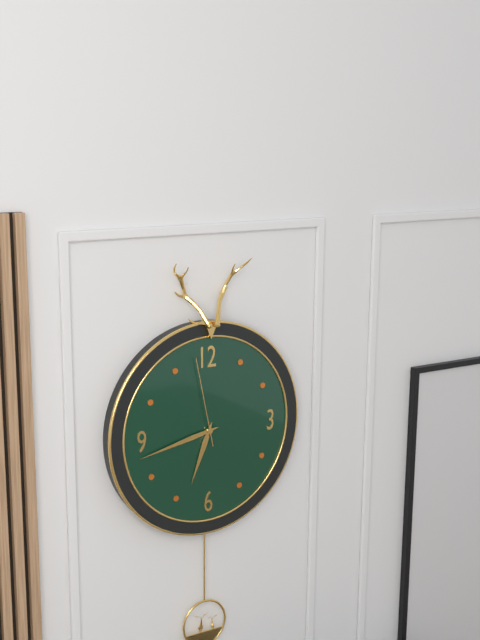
6:43:58
